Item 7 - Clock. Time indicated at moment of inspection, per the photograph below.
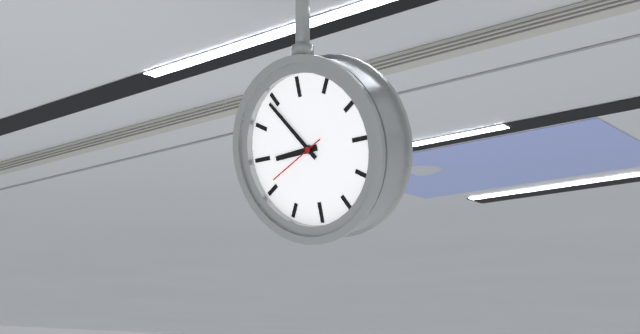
8:54:41
